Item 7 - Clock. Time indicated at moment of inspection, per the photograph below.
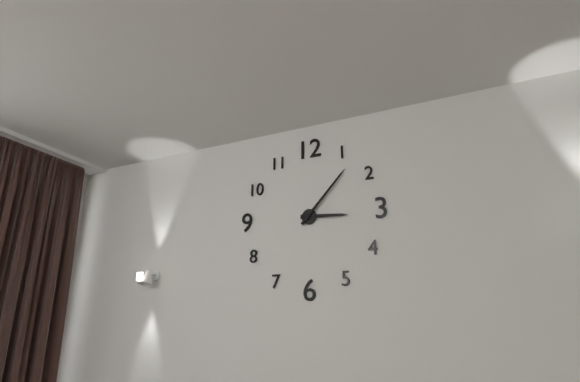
3:07
